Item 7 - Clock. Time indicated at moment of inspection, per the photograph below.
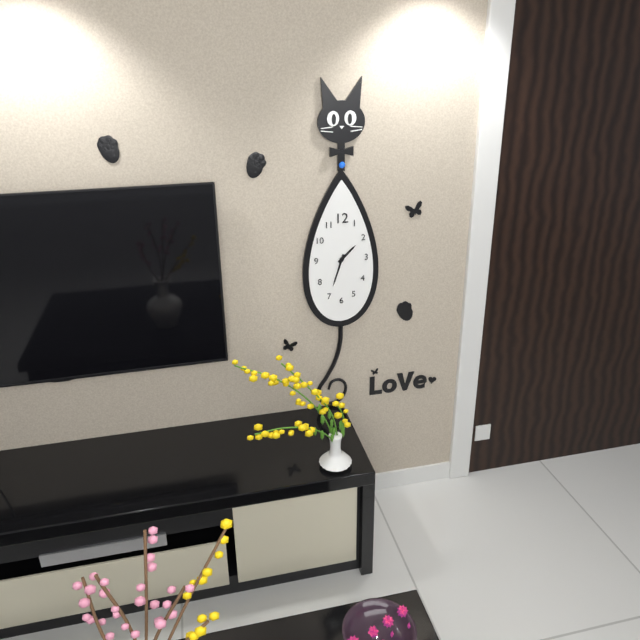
1:33
